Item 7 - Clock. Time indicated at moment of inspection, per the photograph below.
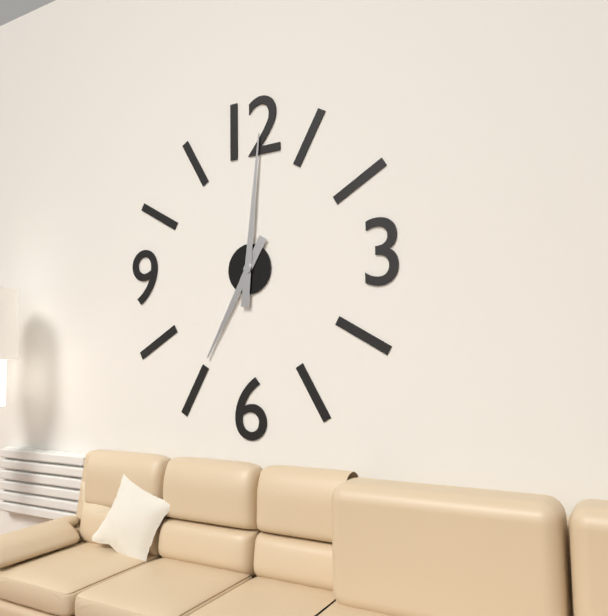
7:01
